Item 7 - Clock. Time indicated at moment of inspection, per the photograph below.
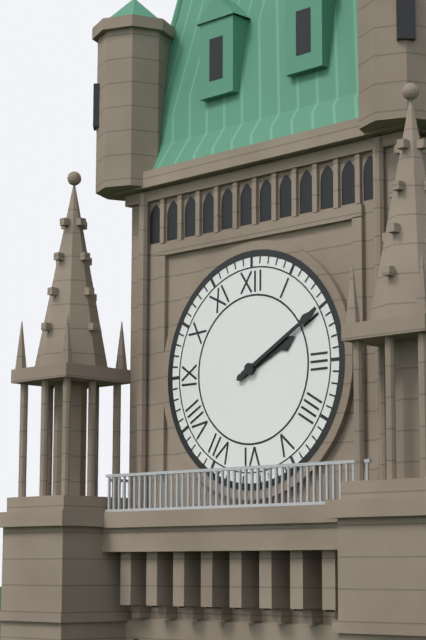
2:10
